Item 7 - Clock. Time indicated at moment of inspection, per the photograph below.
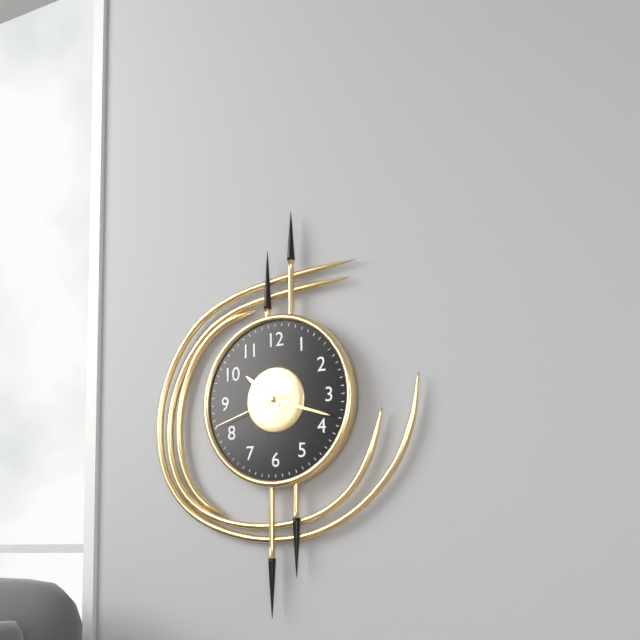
10:18:42
